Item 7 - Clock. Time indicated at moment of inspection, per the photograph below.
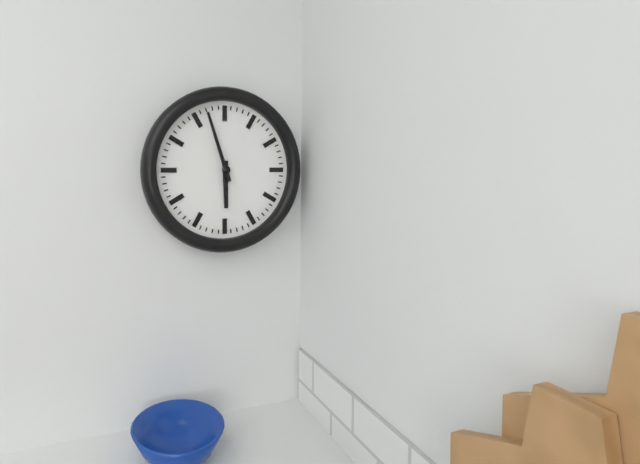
5:57
